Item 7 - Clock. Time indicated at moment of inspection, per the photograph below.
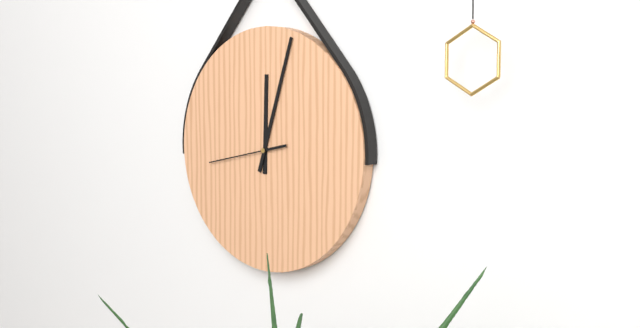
12:03:43
